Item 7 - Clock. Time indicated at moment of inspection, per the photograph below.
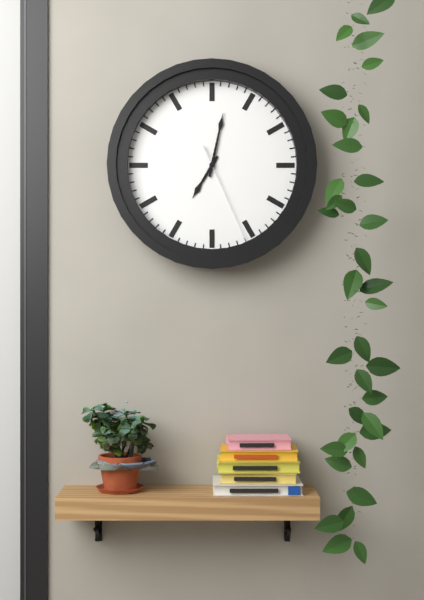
7:02:26
